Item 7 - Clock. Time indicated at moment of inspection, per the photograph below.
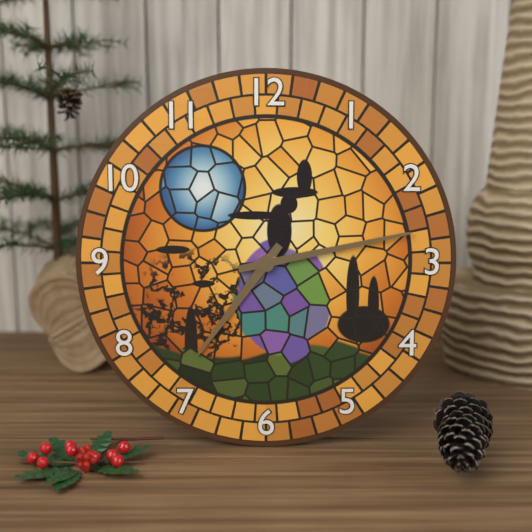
7:13
